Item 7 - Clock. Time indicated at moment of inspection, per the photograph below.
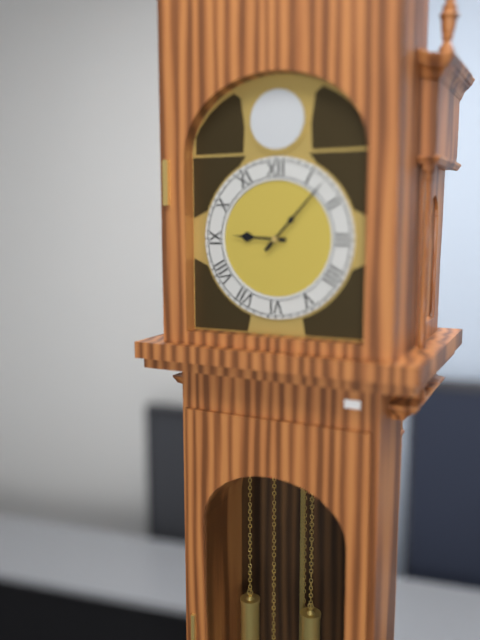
9:07
